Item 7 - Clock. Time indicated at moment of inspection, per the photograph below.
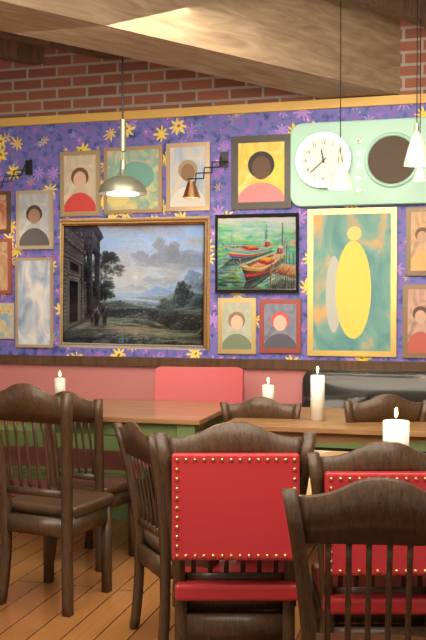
11:38
